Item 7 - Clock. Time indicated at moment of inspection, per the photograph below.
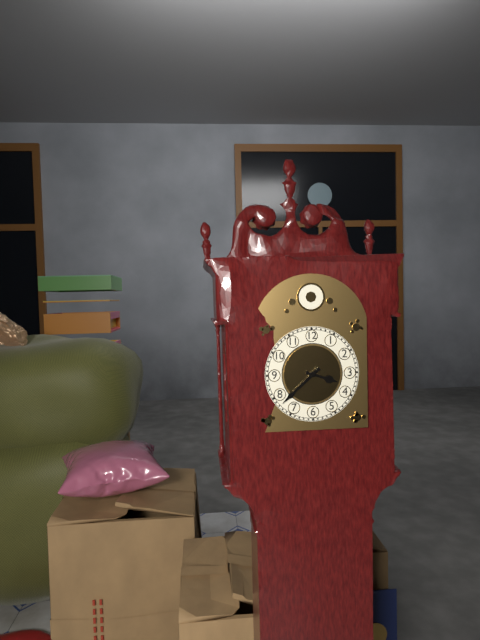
3:38
